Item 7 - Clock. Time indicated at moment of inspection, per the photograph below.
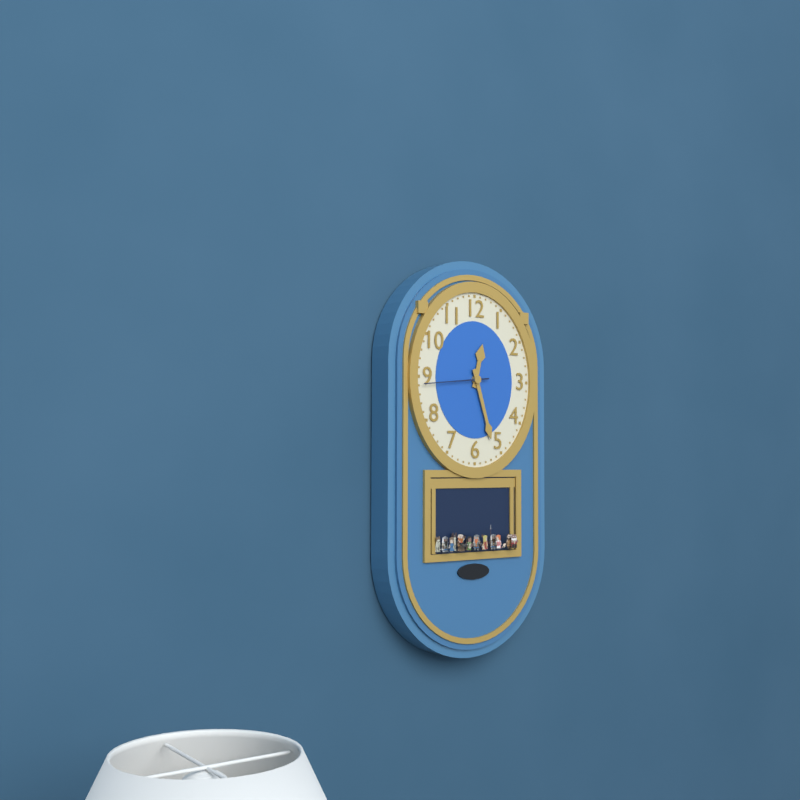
12:27
